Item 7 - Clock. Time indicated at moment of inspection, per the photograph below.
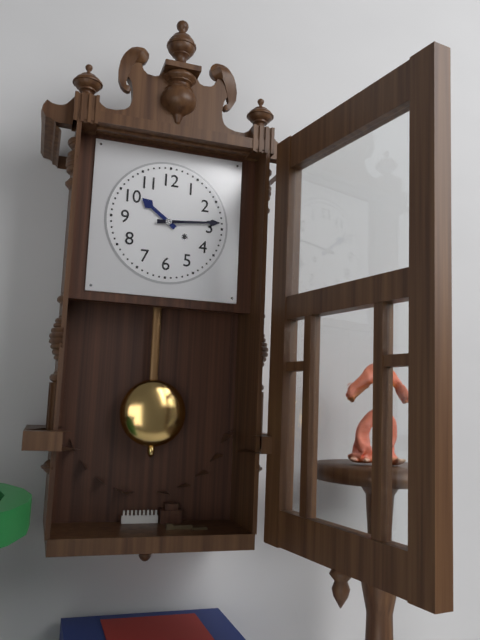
10:14
